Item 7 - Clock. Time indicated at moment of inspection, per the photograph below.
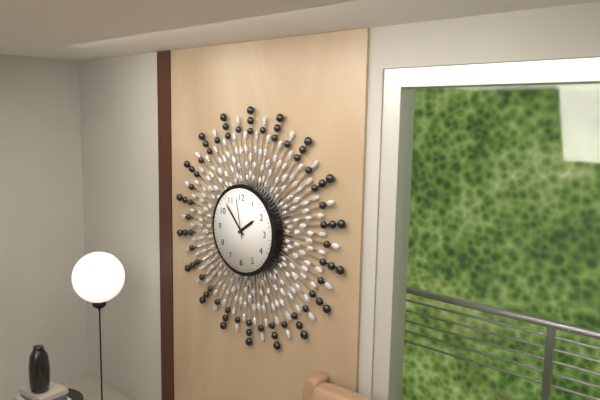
1:53
